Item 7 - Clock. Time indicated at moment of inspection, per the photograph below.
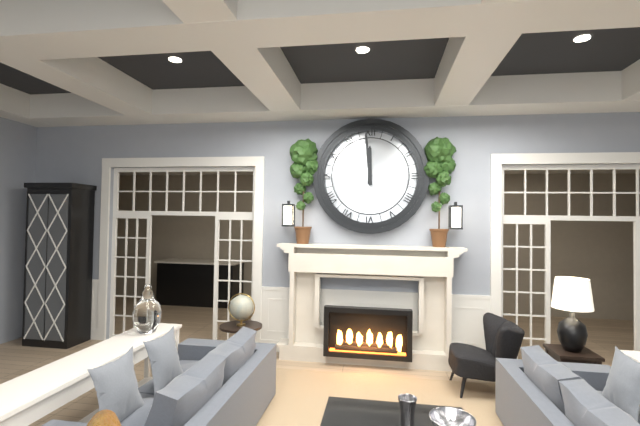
11:59
